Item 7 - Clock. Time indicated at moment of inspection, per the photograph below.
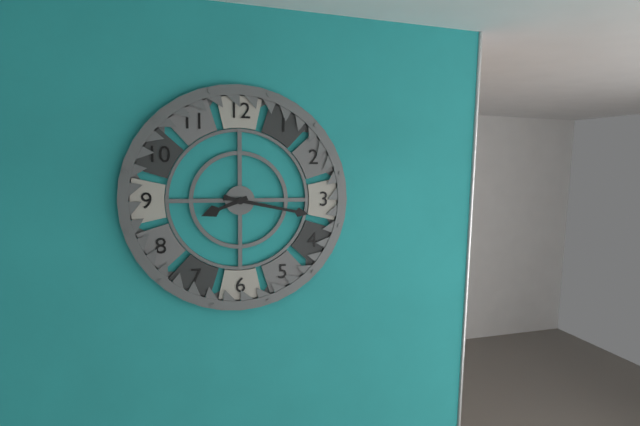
8:17
